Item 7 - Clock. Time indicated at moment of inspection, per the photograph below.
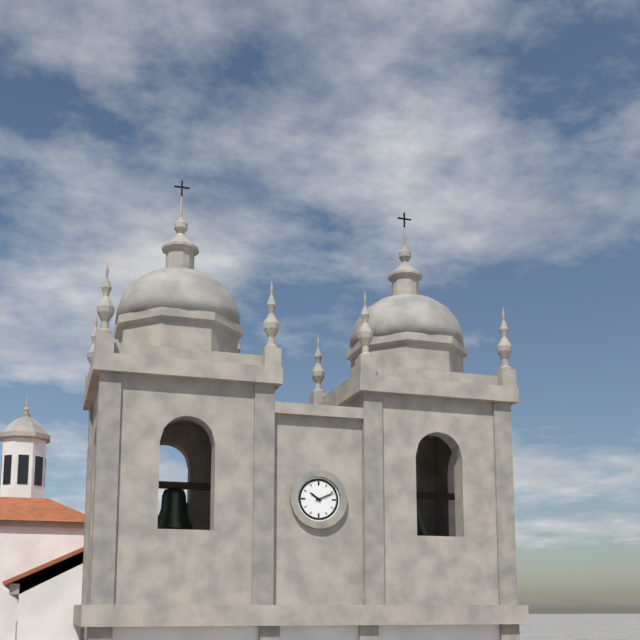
10:11
